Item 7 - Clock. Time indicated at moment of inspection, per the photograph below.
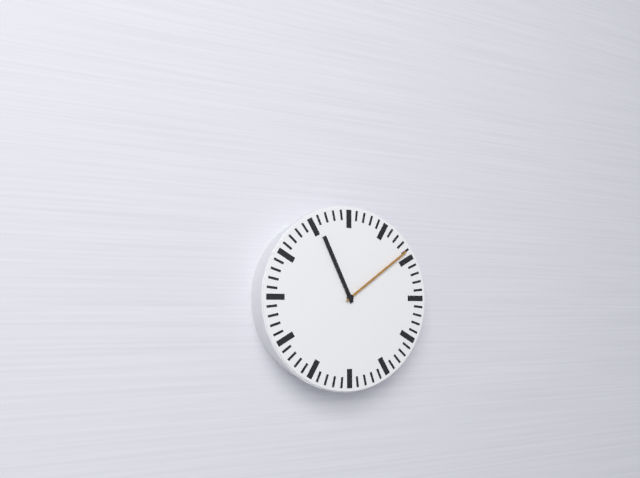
11:09
